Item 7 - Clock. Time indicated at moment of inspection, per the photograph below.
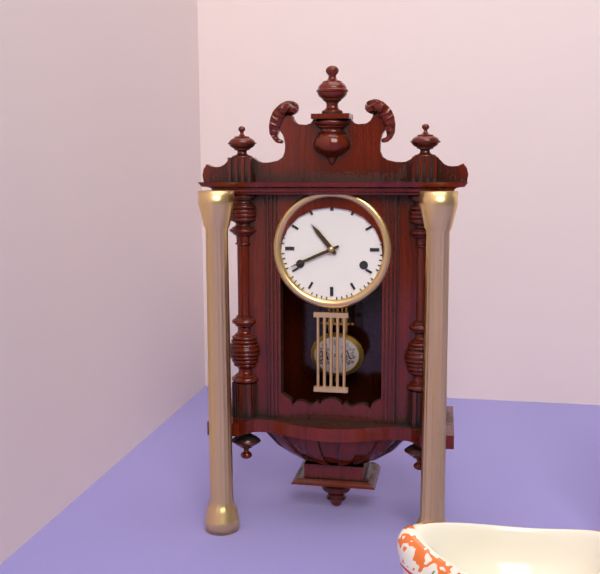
10:41
